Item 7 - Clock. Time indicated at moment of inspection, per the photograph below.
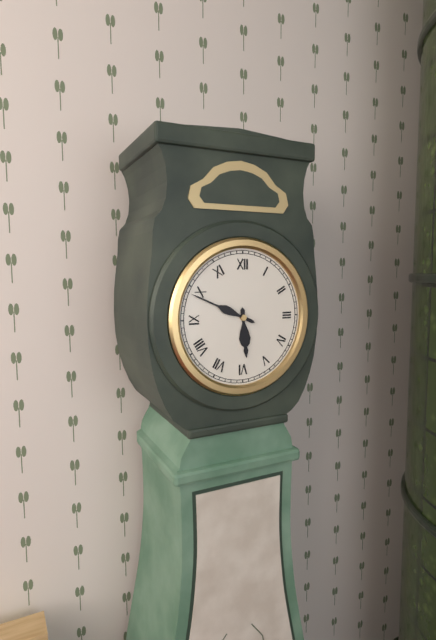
5:49
